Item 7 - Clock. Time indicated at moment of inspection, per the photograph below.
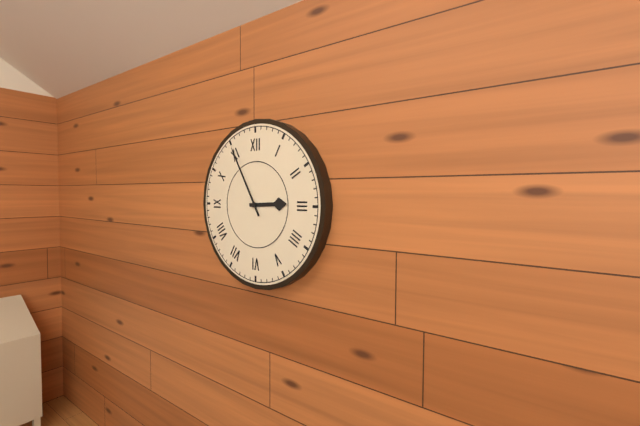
2:55
